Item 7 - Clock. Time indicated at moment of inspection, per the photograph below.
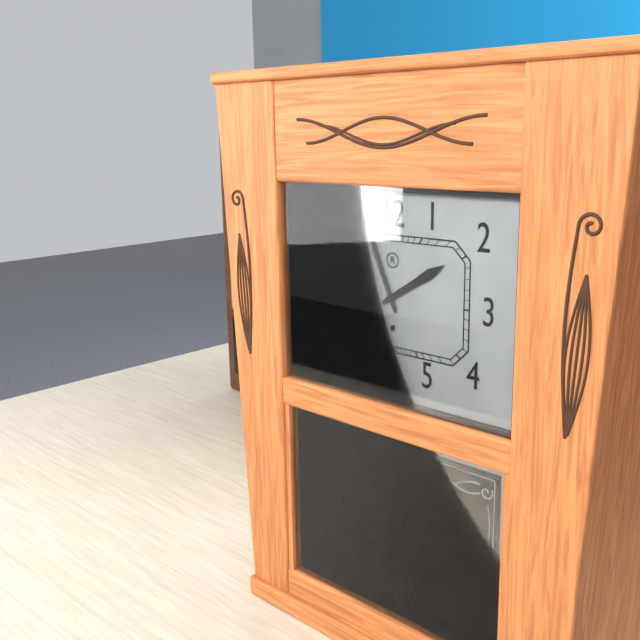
1:56
